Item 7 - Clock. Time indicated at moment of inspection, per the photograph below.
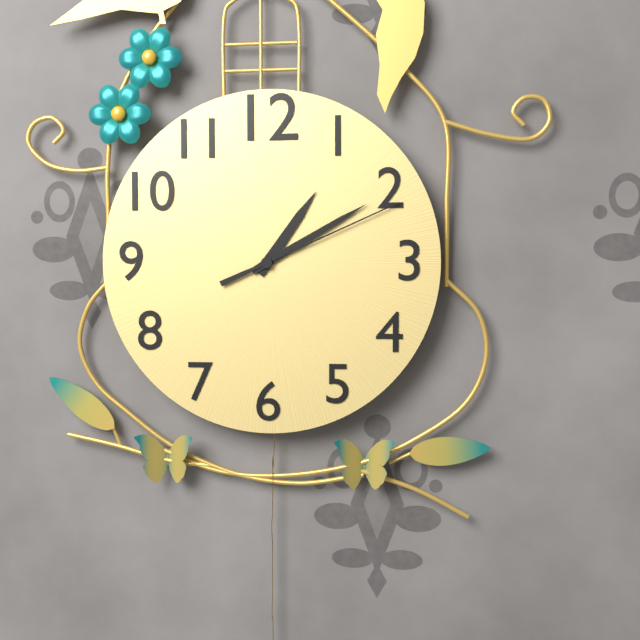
1:10:11
